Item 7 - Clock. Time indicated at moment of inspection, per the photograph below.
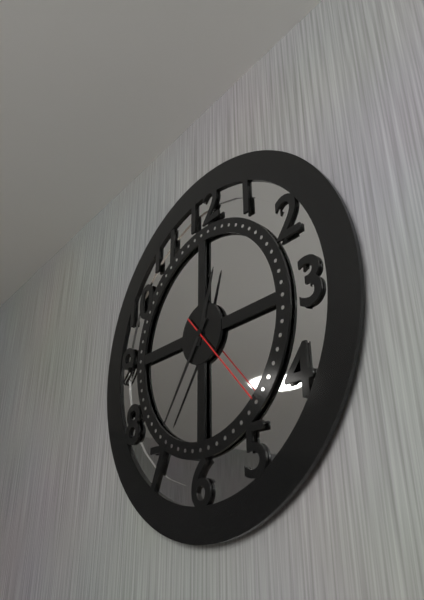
12:36:23
